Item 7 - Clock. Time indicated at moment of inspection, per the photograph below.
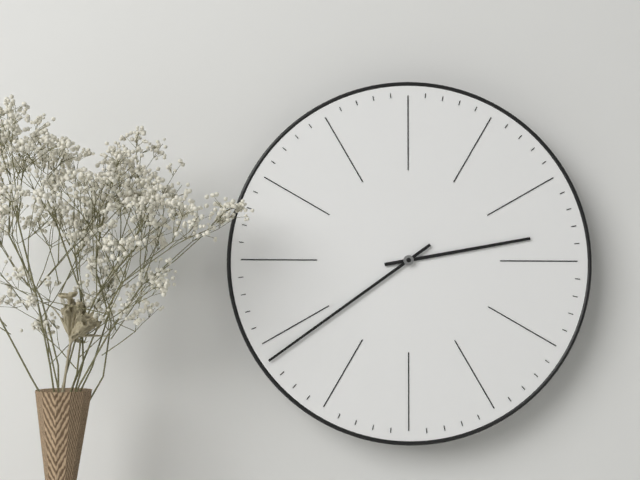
2:39
